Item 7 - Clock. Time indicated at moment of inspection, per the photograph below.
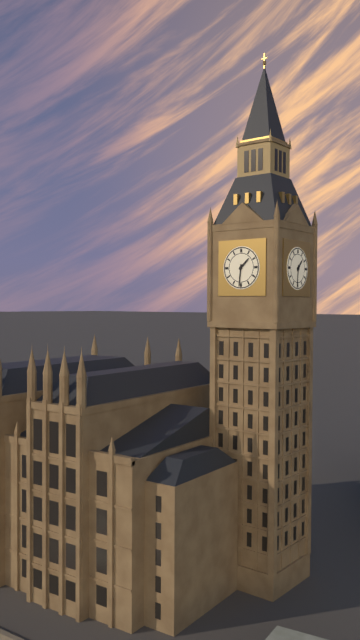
1:31
